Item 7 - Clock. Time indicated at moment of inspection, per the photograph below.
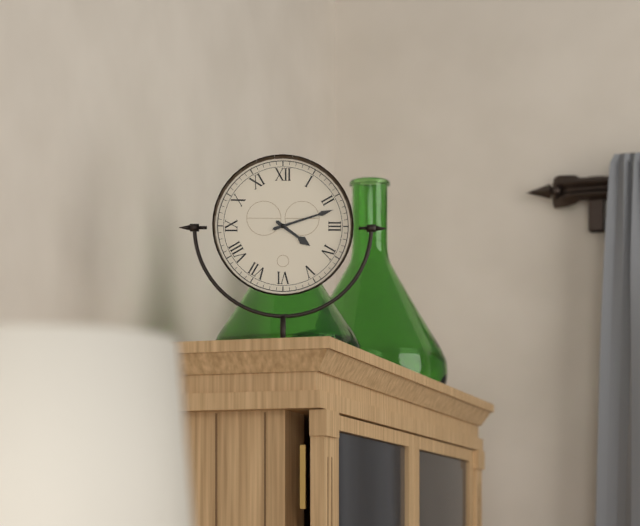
4:12
